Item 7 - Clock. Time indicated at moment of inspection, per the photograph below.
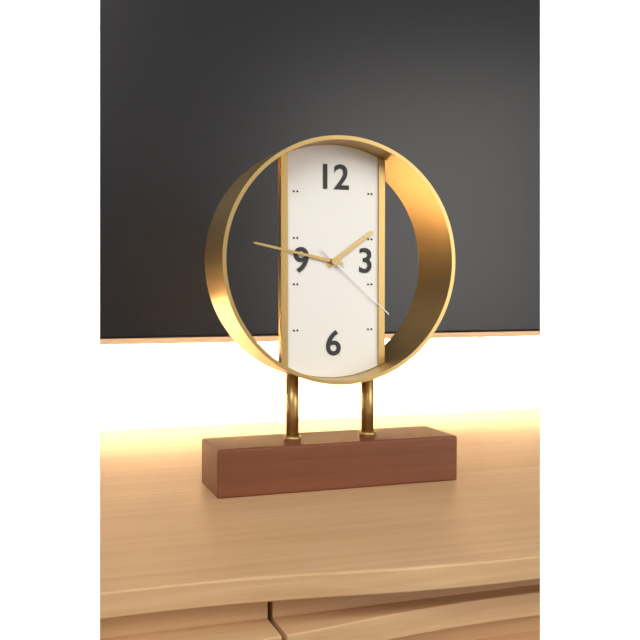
1:47:22
